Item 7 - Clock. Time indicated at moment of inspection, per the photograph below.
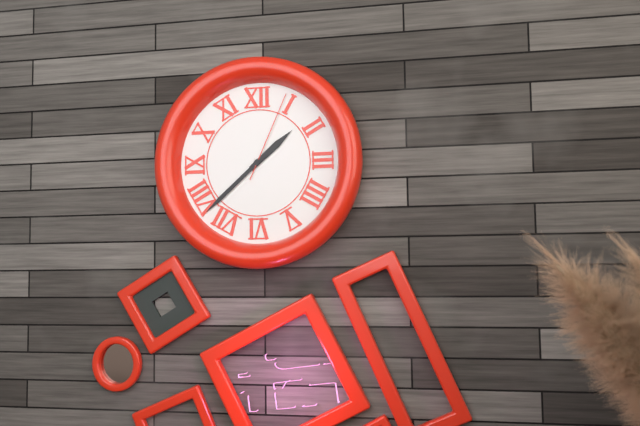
1:38:04
